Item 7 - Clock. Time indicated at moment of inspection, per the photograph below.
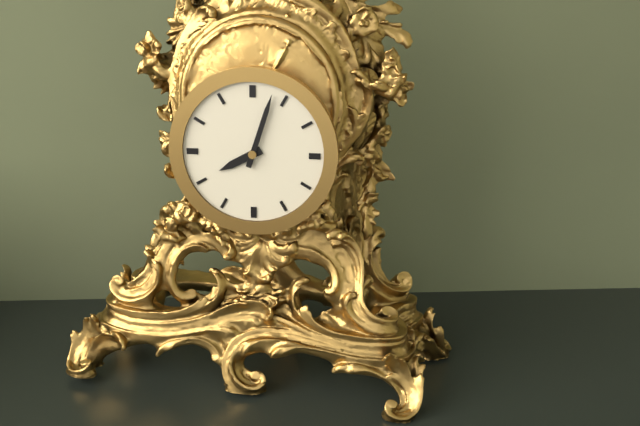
8:03
